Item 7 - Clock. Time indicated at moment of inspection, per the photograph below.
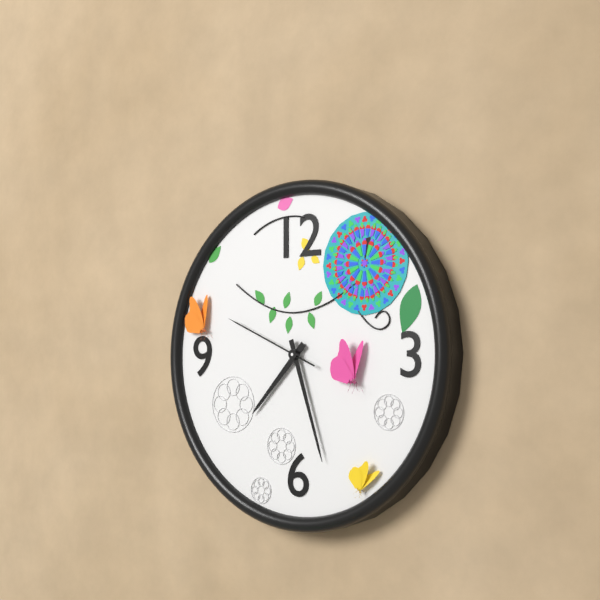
7:27:49
